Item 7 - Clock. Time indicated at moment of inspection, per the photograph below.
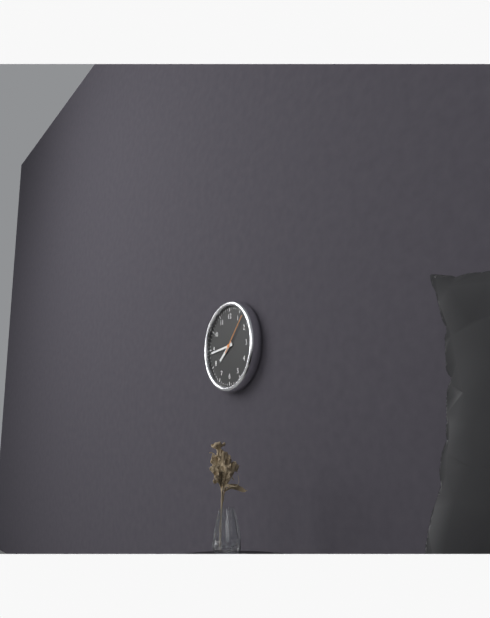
7:44
